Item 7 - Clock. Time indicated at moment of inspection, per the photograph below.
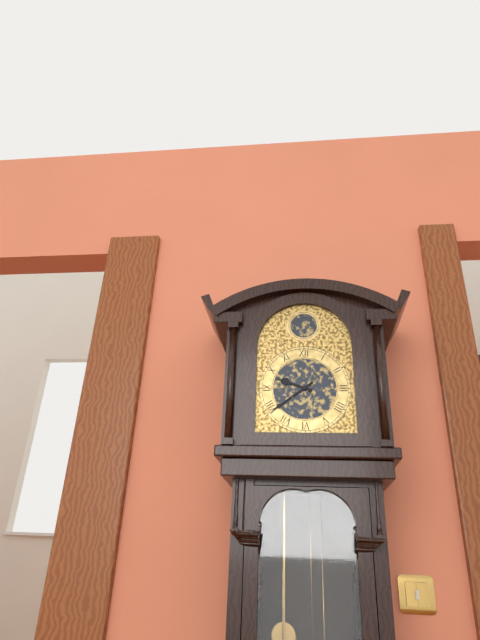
9:39
